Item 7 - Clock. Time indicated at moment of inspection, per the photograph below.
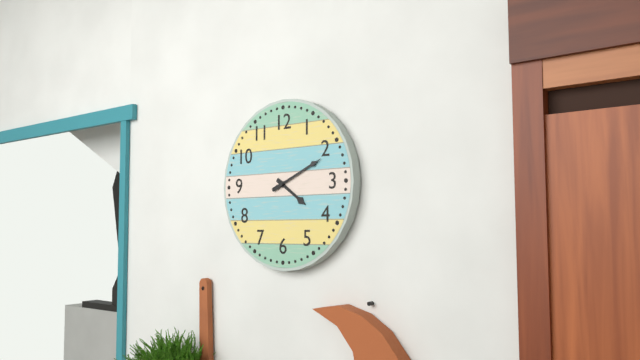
4:11
